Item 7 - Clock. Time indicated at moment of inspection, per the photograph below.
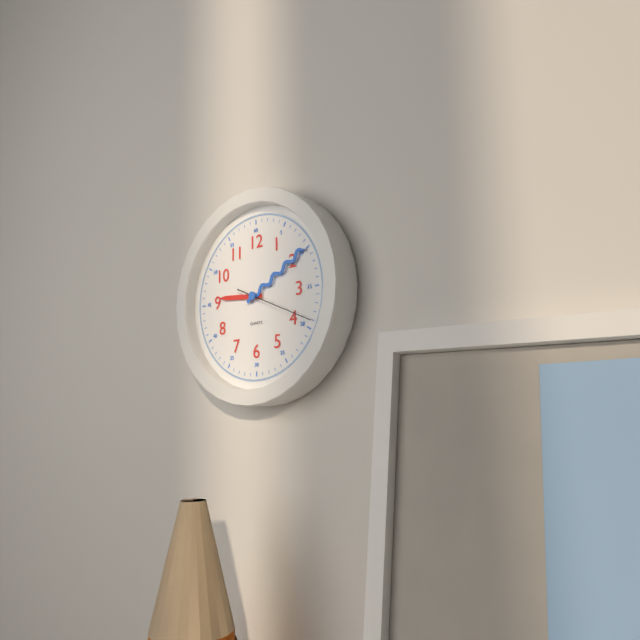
9:10:19
